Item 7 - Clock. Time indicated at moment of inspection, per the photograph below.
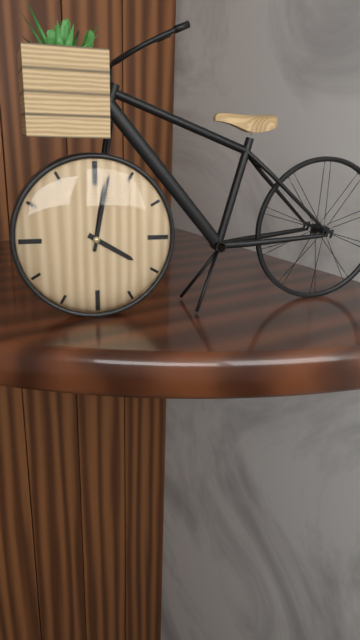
4:02
